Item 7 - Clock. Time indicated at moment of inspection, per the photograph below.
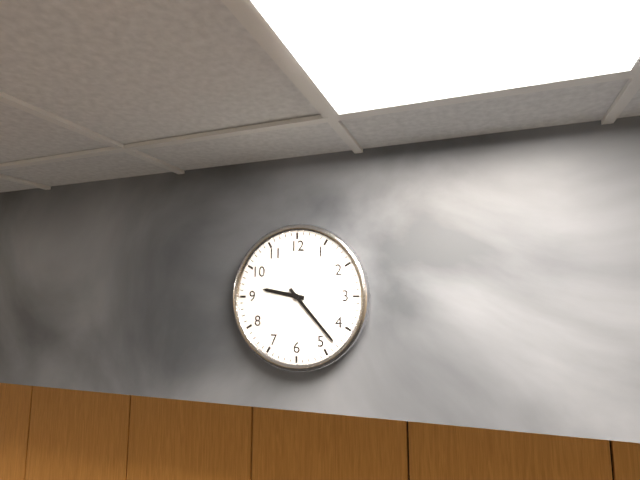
9:23
